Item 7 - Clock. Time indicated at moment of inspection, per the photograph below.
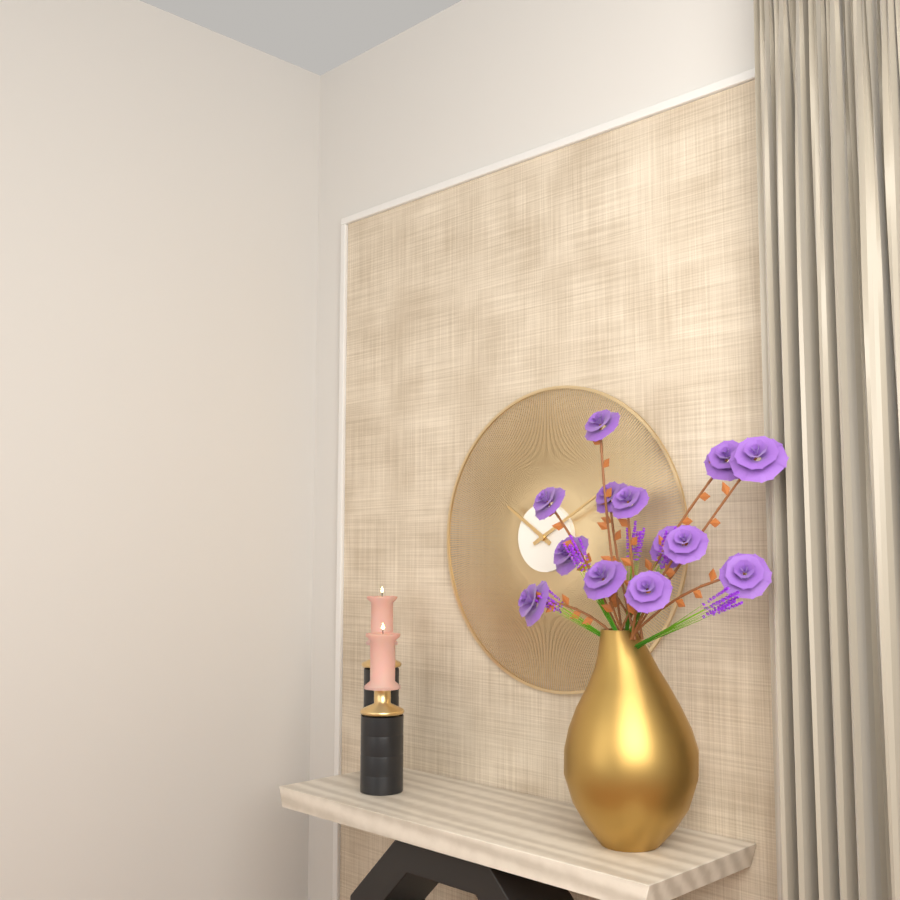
10:10
